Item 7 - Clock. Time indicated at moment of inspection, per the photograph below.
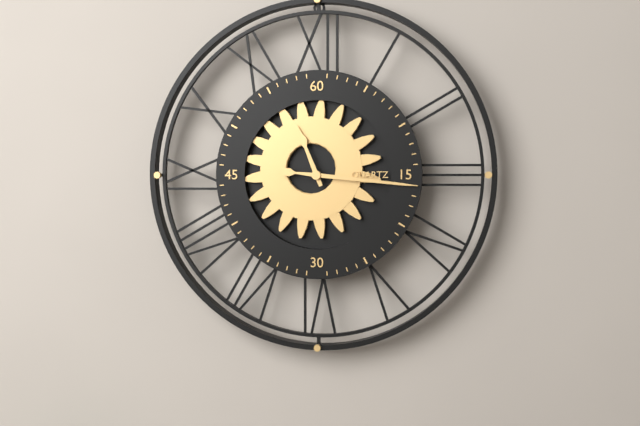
11:16
